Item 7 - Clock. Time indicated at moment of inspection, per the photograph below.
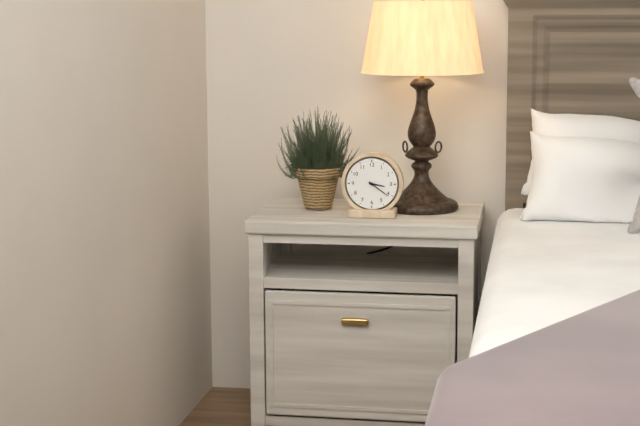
3:21
